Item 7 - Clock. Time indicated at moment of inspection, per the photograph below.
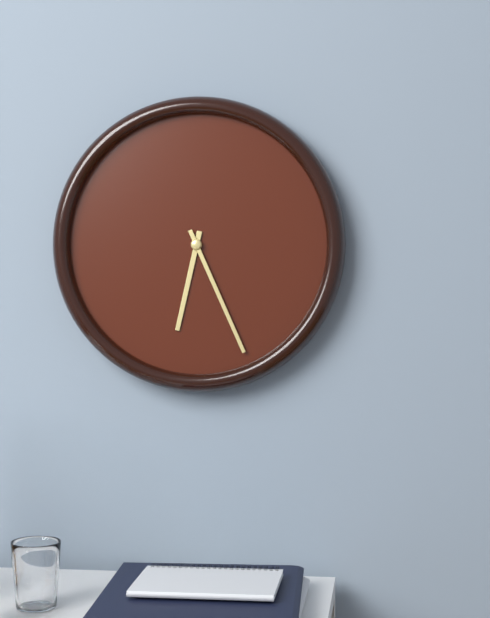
6:26
